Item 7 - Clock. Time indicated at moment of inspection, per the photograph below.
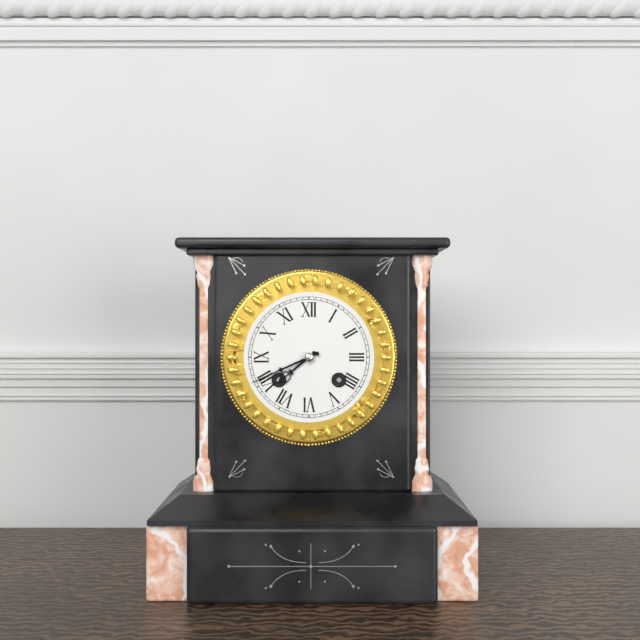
7:41
